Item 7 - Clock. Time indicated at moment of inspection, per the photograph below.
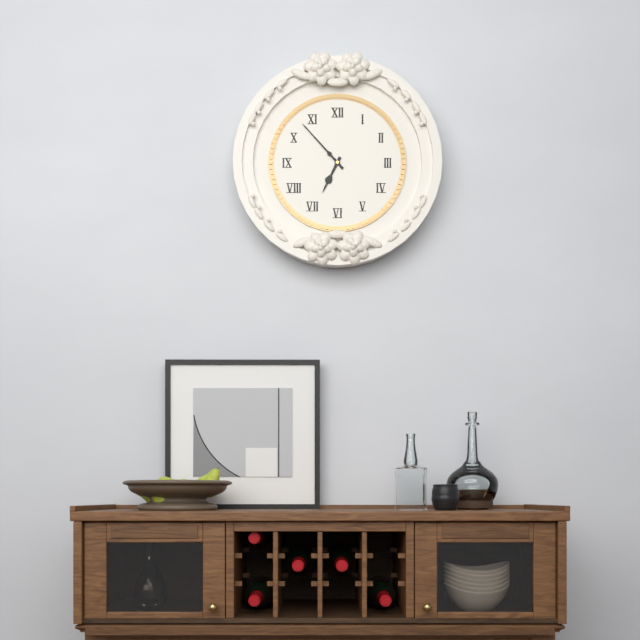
6:53
